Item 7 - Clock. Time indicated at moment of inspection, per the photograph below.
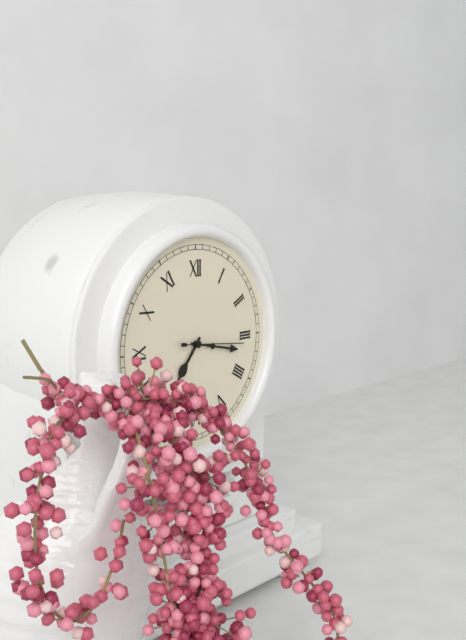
7:17:16
